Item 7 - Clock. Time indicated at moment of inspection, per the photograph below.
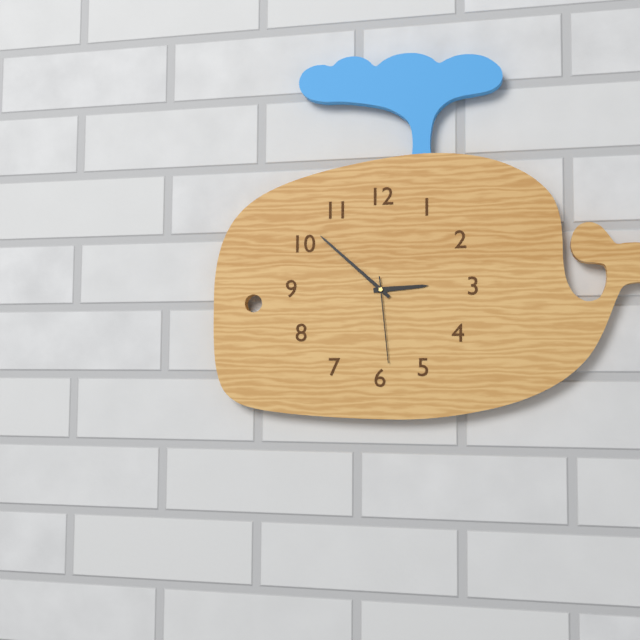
2:52:29
